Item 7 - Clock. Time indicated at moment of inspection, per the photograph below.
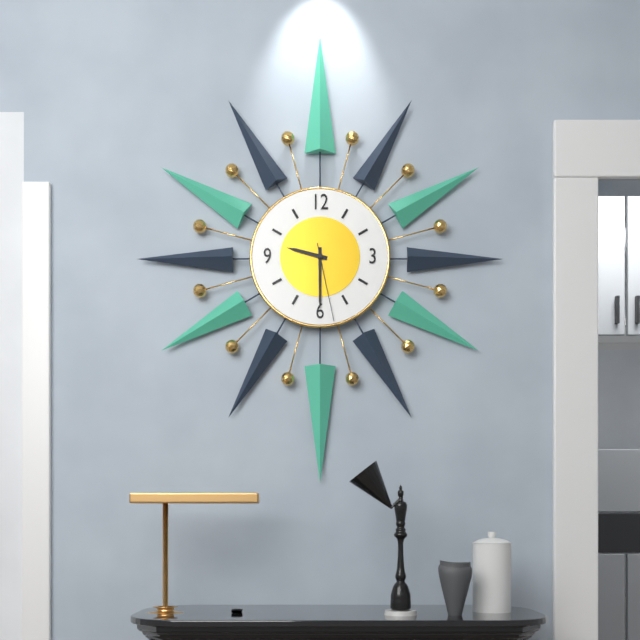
9:30:28
